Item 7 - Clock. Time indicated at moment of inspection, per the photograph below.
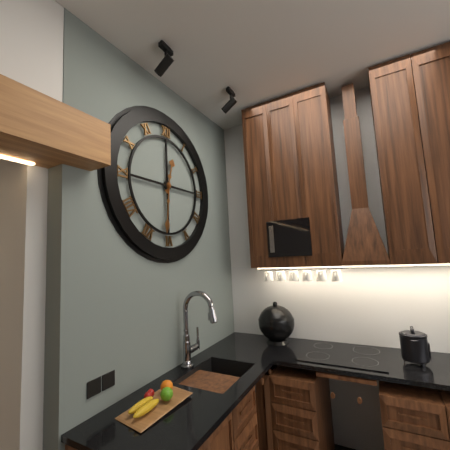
12:31
